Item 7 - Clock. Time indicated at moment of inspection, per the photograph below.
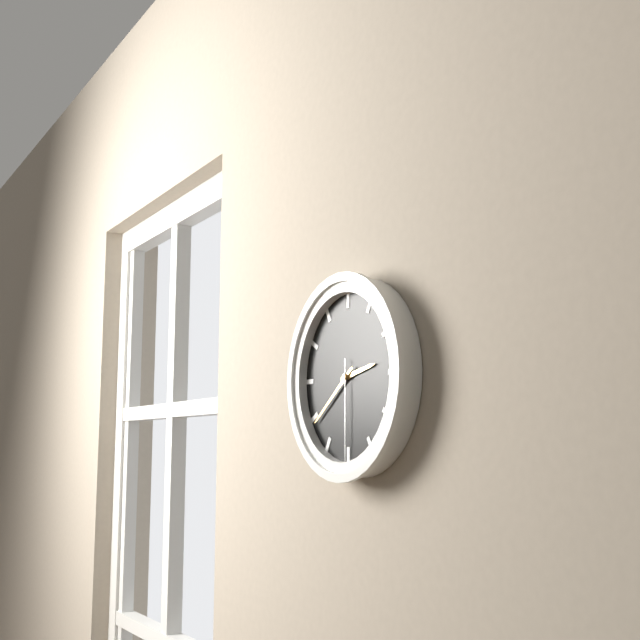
2:39:30
